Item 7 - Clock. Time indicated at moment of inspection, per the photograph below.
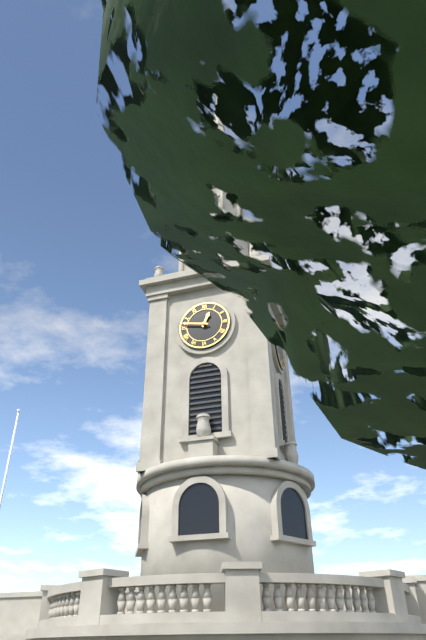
12:47
